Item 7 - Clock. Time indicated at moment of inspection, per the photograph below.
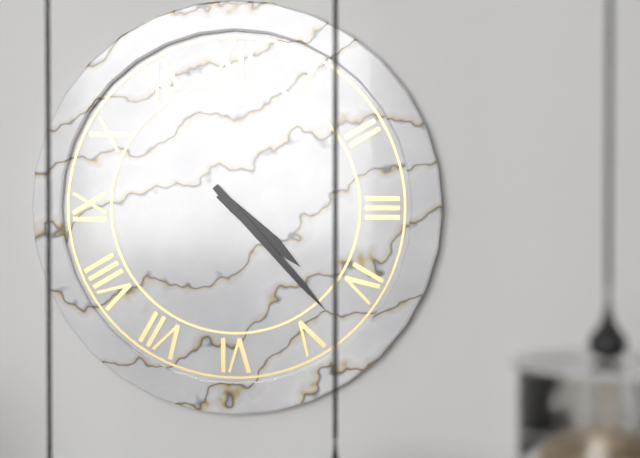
4:23
